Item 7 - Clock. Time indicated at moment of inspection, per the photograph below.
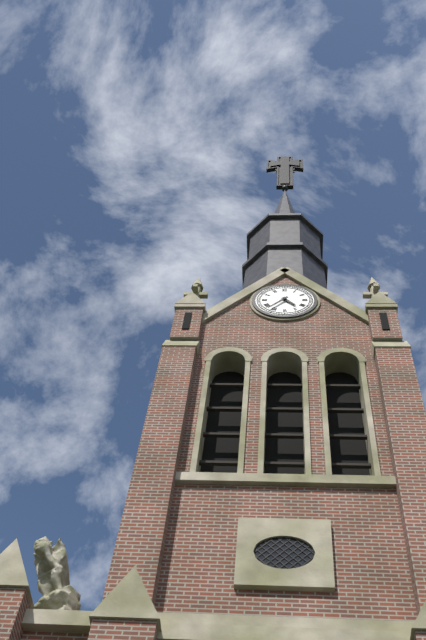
4:37
